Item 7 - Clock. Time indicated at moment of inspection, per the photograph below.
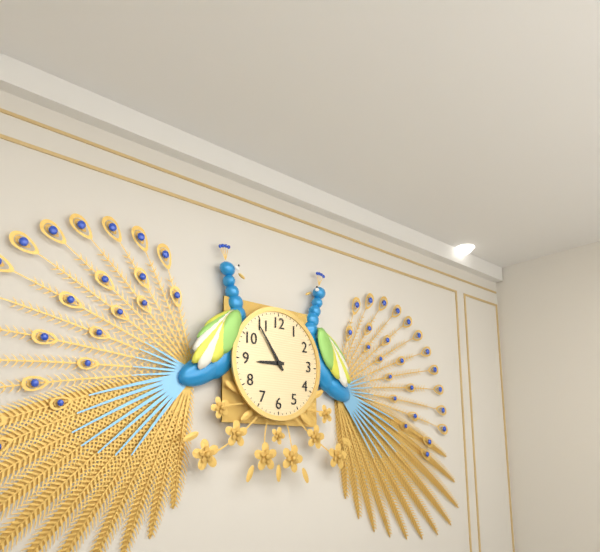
8:54
